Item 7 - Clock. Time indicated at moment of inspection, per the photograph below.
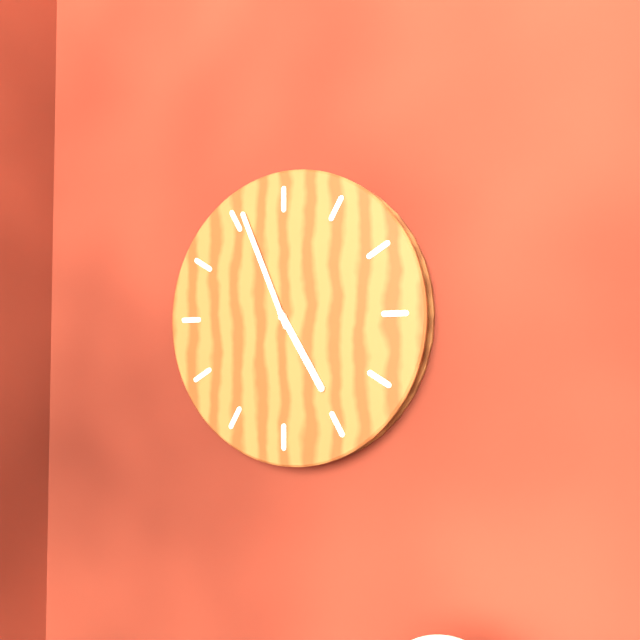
4:56
